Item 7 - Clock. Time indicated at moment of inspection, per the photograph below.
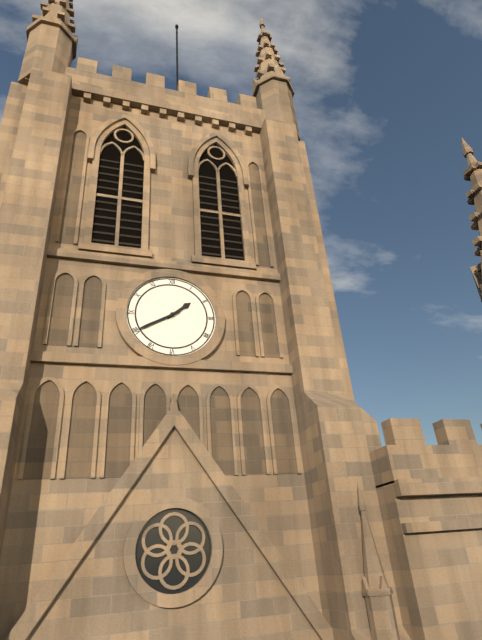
1:40
